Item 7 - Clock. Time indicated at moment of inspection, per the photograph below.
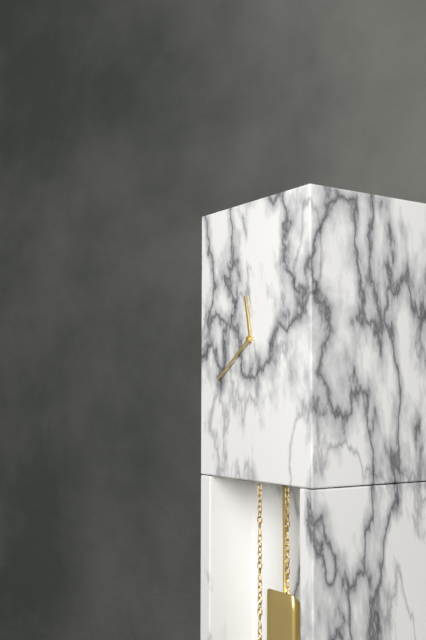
11:39
